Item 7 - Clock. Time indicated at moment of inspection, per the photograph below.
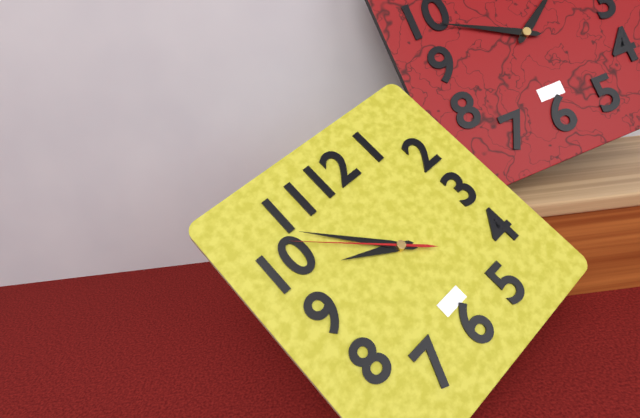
9:53:52
